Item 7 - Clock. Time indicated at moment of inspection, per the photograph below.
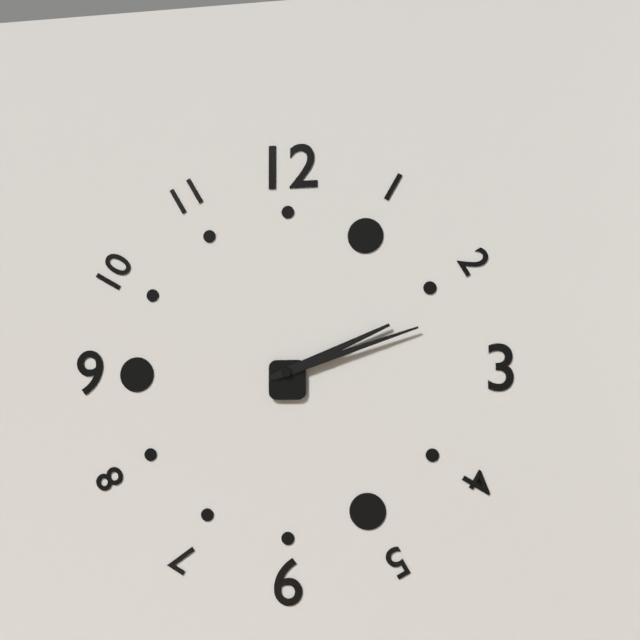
2:12
